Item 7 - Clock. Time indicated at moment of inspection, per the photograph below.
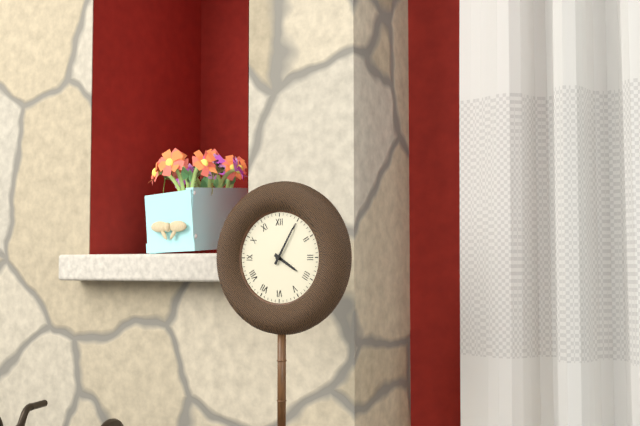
4:05
